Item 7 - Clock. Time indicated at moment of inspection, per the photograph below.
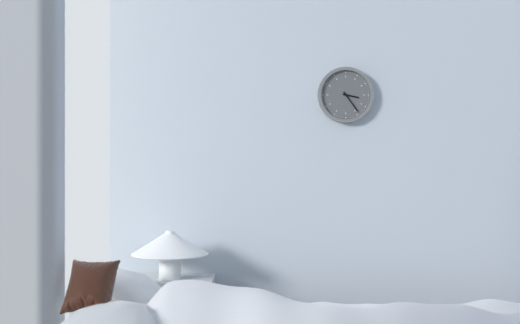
3:24
